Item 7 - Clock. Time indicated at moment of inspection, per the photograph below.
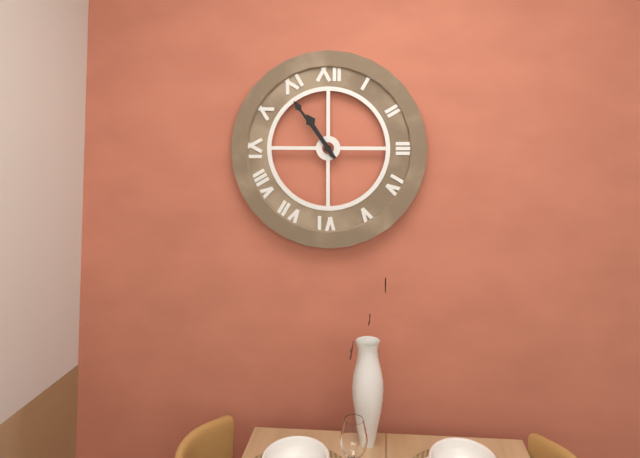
10:54
